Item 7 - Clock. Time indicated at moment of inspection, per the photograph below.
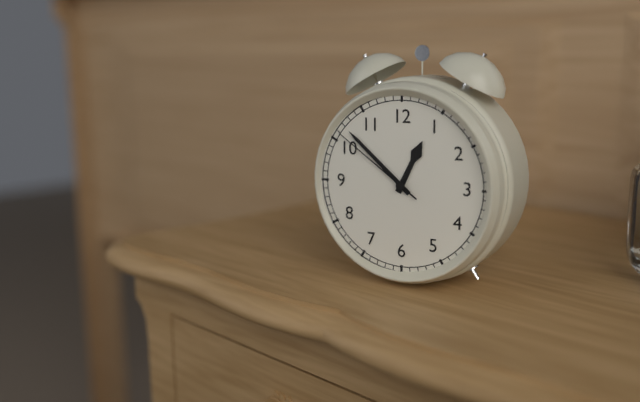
12:52:51
